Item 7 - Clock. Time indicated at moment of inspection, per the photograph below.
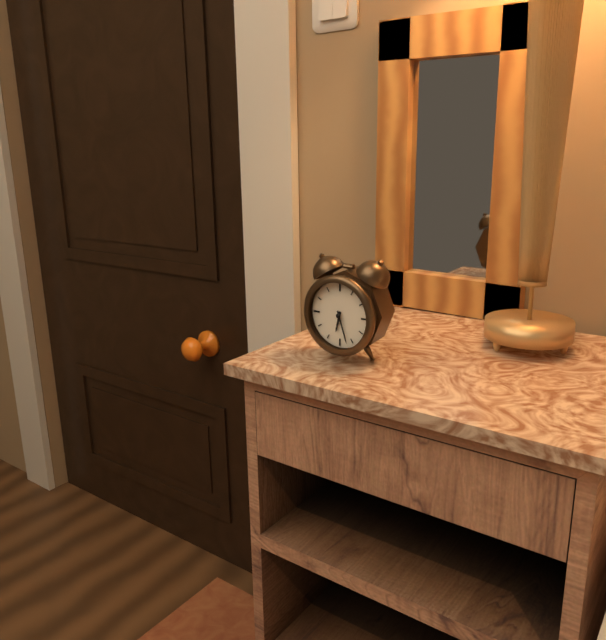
6:27
